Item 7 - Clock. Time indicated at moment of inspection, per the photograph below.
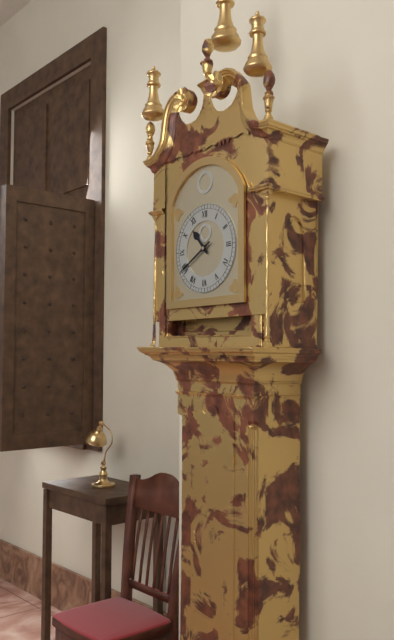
10:40
